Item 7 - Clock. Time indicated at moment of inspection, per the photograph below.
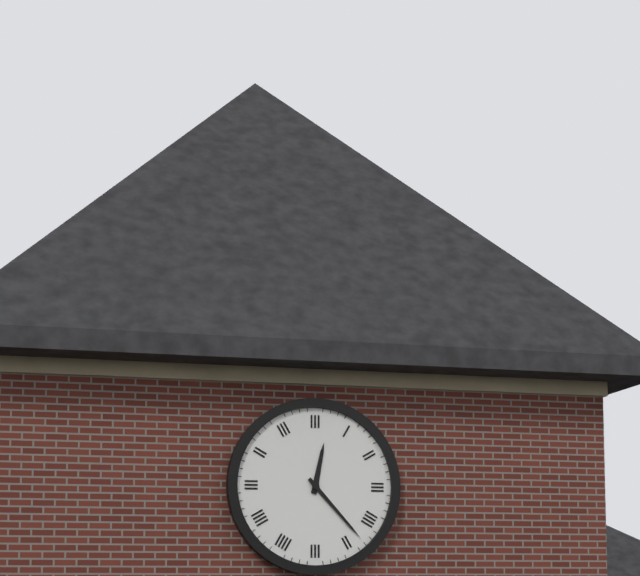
12:23
